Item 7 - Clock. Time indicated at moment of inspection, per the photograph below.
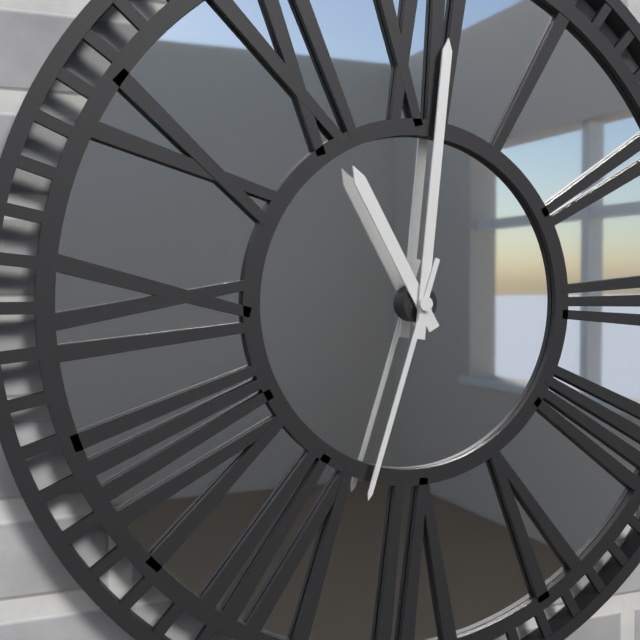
11:01:33
